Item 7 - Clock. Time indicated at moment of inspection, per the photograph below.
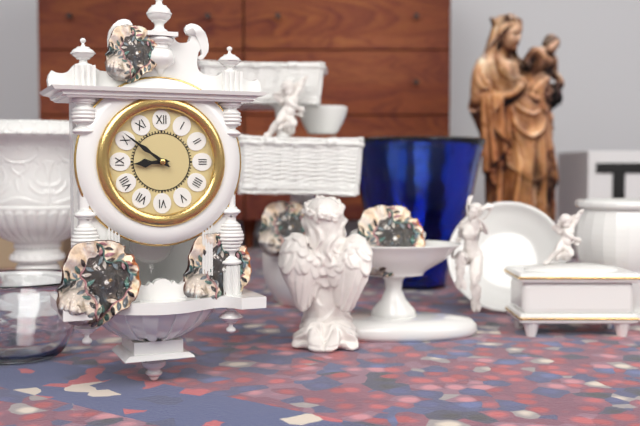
8:51
